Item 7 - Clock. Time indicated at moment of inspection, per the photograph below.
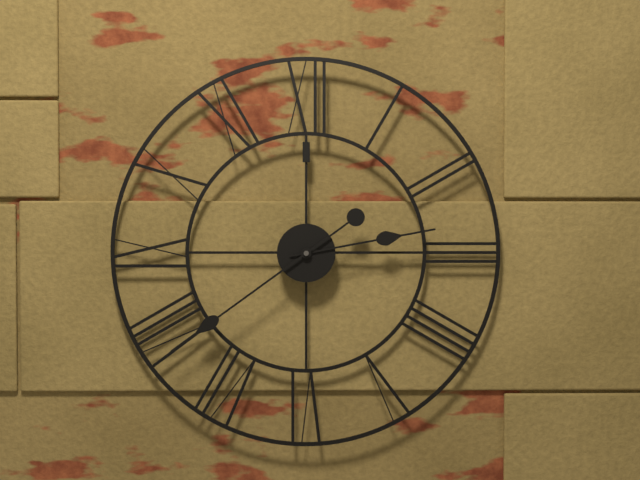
2:39
